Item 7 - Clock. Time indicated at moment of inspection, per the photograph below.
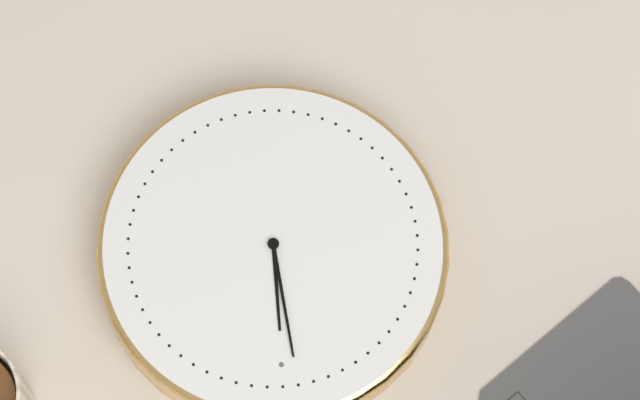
11:59
